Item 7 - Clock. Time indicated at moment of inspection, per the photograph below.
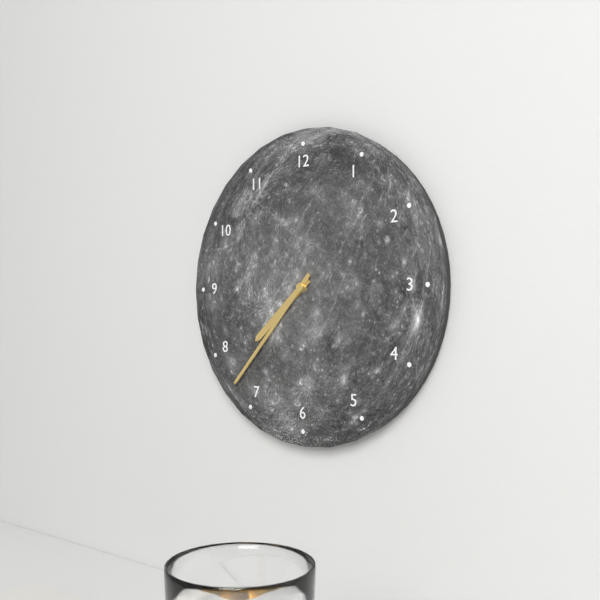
7:37
